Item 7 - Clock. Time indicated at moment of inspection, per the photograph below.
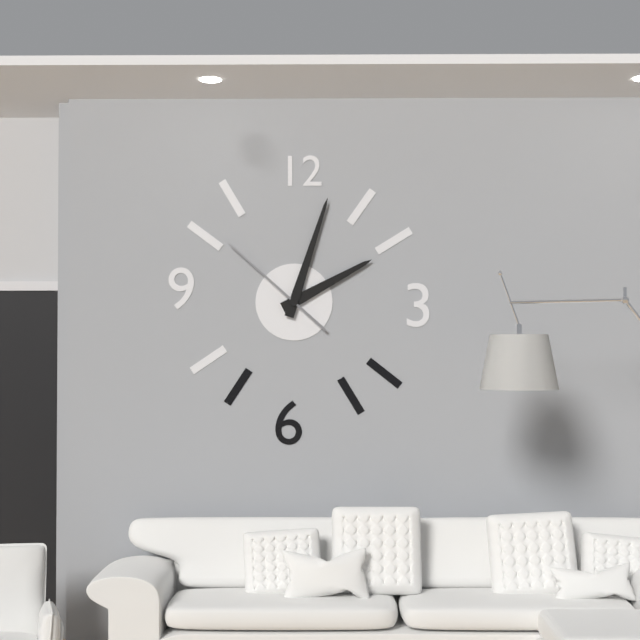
2:03:52
